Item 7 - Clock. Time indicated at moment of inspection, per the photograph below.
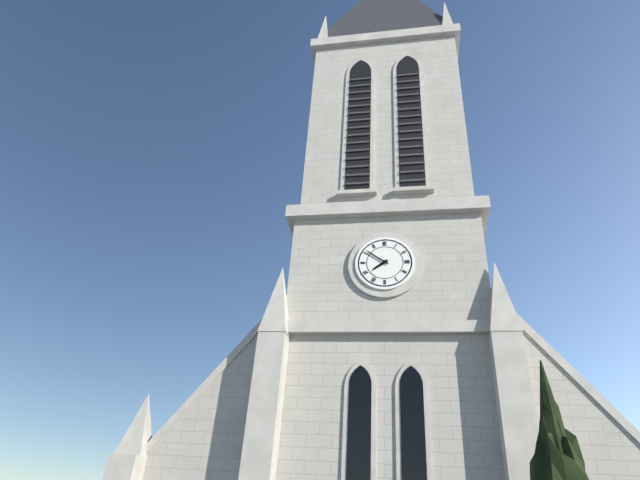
7:51
